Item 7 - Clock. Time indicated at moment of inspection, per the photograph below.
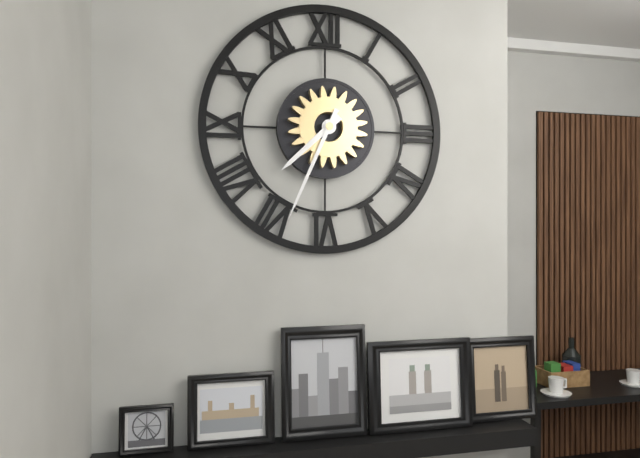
7:34
